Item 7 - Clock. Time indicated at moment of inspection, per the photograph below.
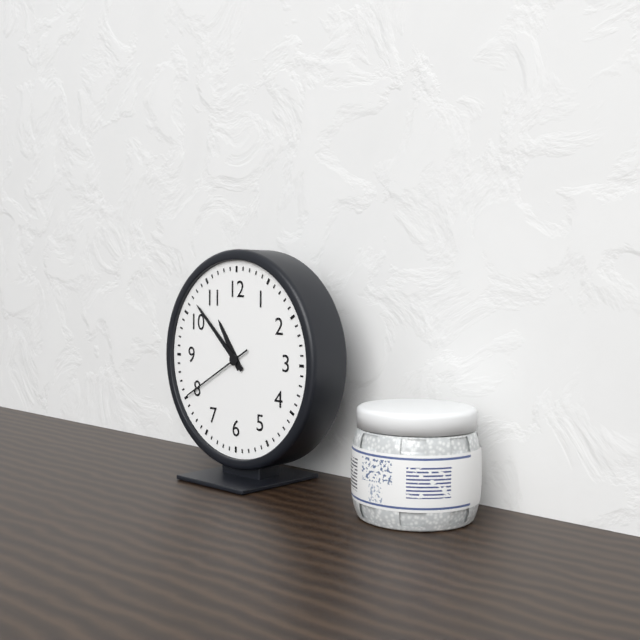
10:52:40
